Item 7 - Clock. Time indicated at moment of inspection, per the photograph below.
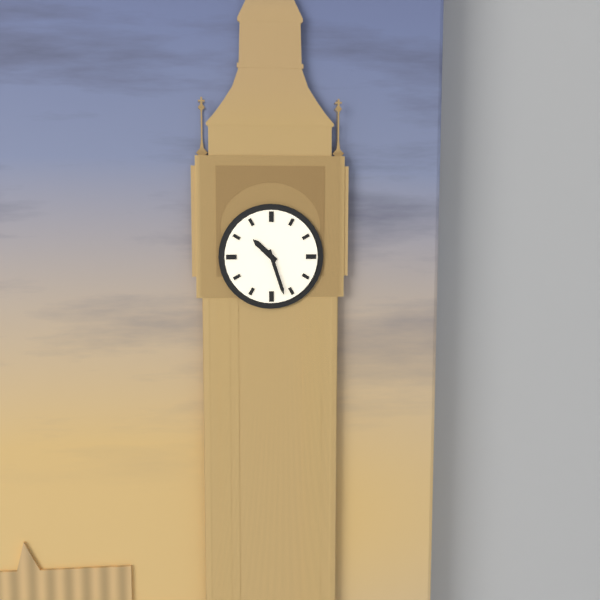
10:27
